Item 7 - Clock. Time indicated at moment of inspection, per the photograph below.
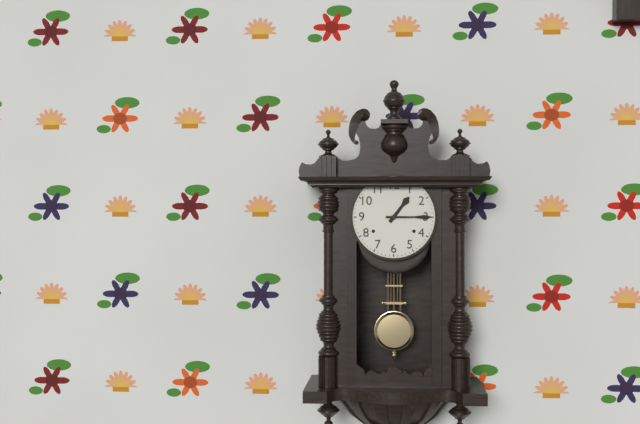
1:15
